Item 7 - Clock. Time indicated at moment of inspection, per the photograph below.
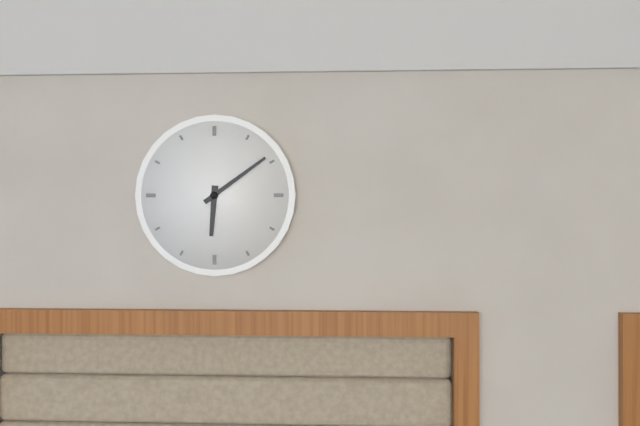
6:09
